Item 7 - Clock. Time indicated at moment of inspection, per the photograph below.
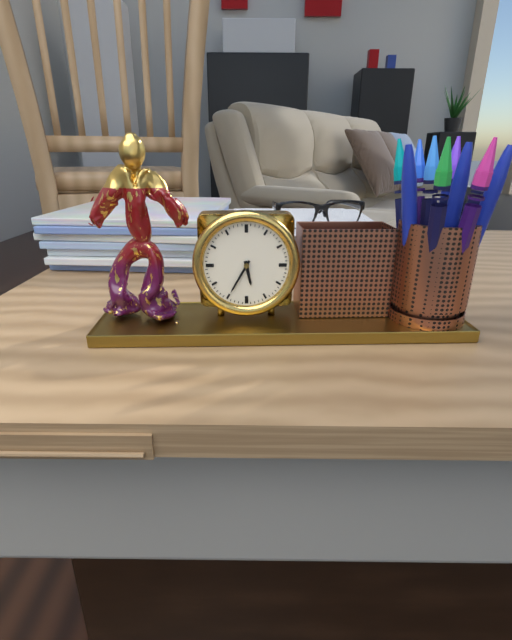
5:35
